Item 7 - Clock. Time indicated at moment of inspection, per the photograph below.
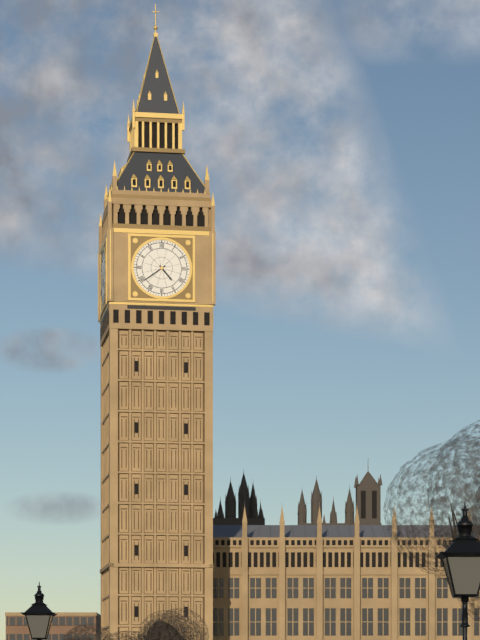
4:39
